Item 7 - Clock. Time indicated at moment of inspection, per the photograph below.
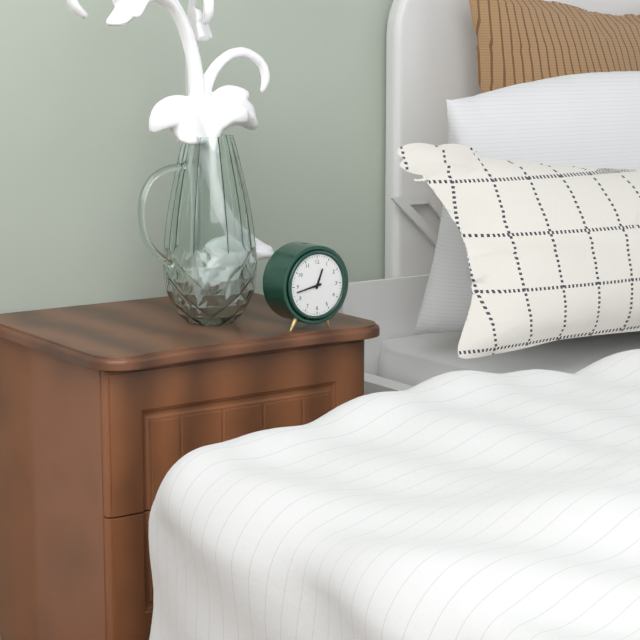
12:43
